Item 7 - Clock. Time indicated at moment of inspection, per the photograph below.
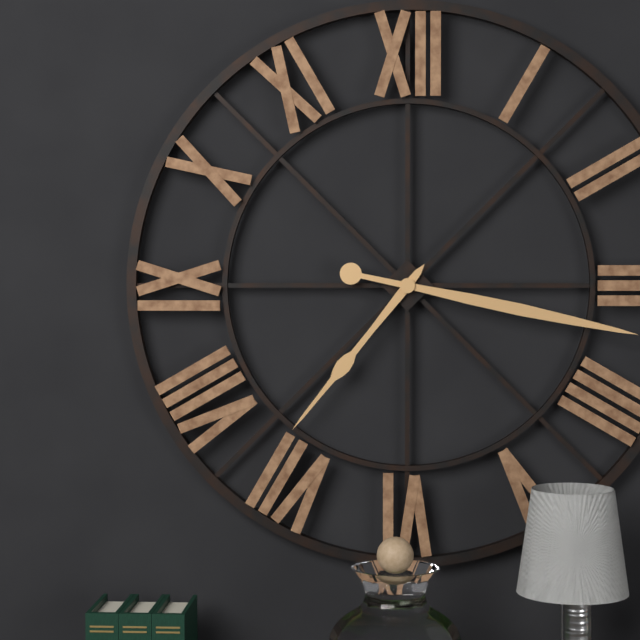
7:17
